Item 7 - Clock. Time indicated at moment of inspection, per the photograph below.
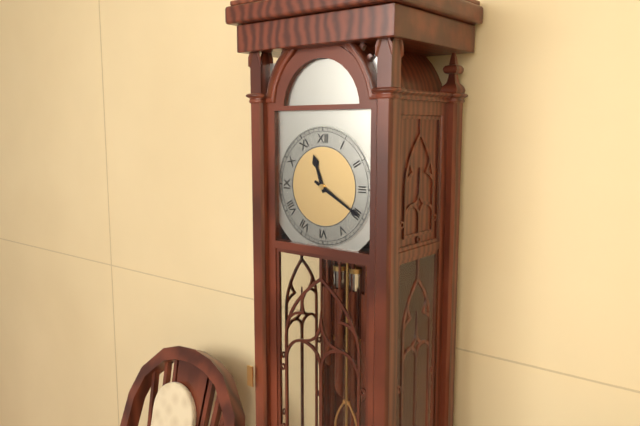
11:20
